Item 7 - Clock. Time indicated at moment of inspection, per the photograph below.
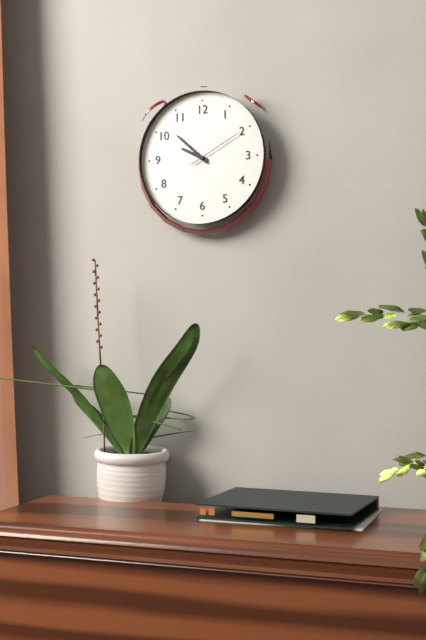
9:52:10
